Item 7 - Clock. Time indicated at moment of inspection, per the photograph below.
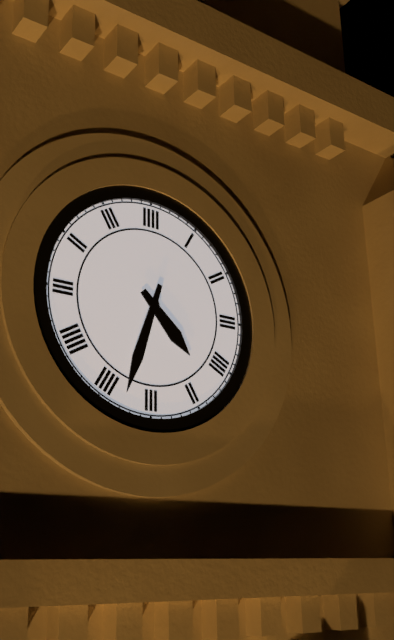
4:33
